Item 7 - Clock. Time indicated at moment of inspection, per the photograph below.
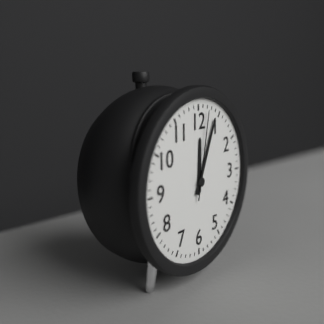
12:04:02
